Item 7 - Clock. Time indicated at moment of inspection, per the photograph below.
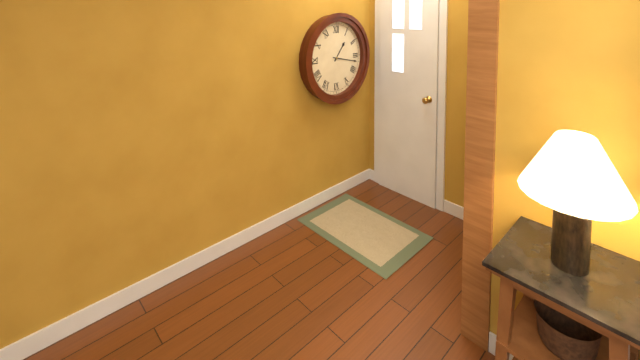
1:17
